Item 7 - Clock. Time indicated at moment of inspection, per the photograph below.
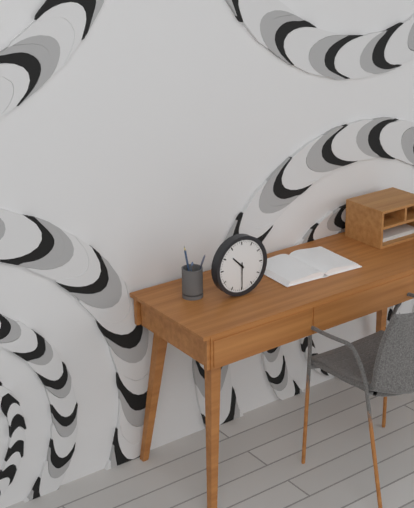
10:30
